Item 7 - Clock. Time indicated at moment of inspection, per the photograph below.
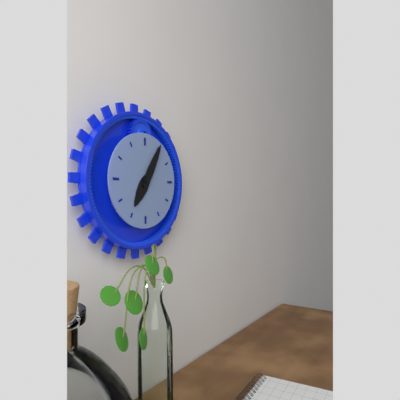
7:05
